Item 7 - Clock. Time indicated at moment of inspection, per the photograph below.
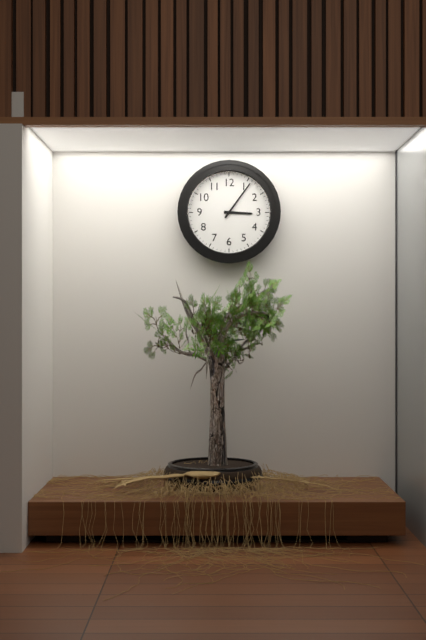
3:06
